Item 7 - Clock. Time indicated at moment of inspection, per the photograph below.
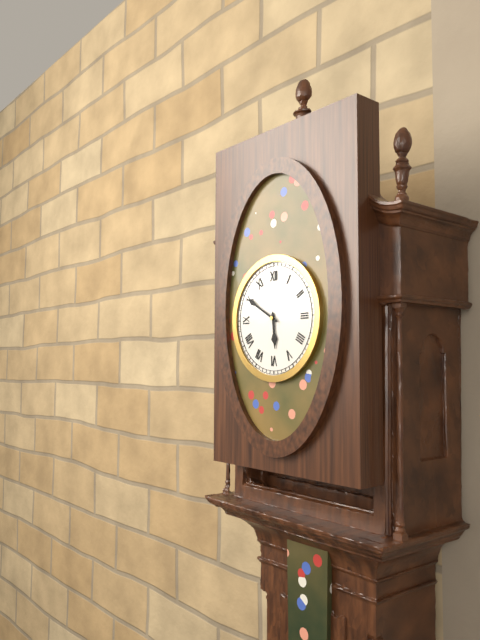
5:50
